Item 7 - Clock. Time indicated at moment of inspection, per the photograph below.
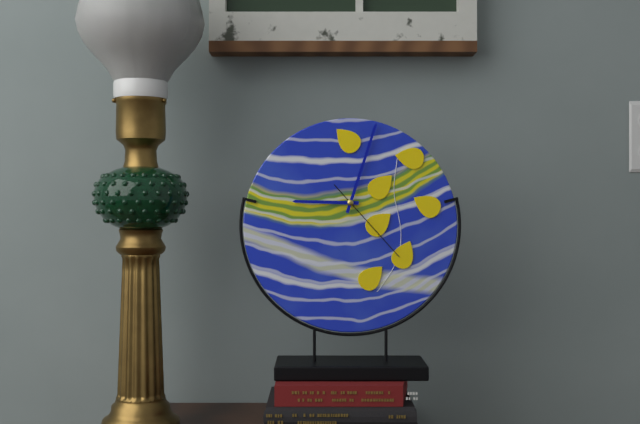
9:03:23
